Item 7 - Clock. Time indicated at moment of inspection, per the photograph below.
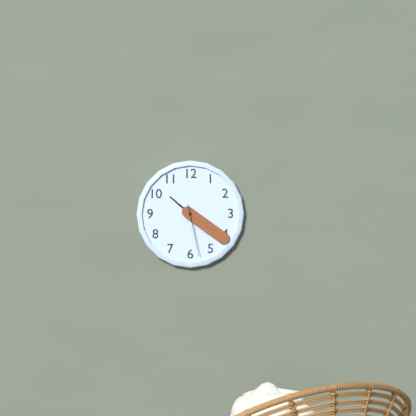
10:21:28
